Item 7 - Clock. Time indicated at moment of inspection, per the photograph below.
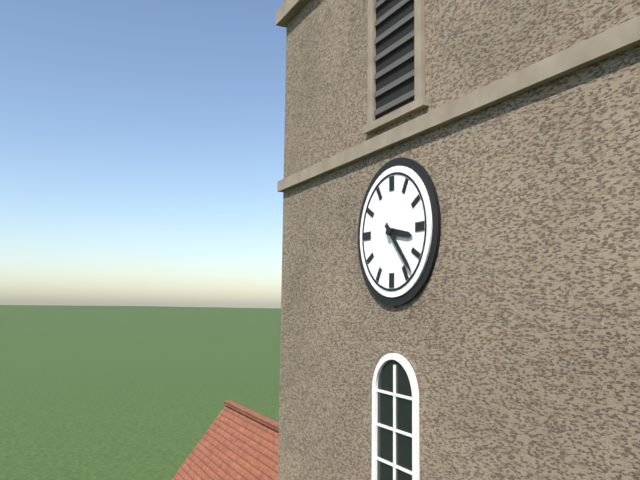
3:23
